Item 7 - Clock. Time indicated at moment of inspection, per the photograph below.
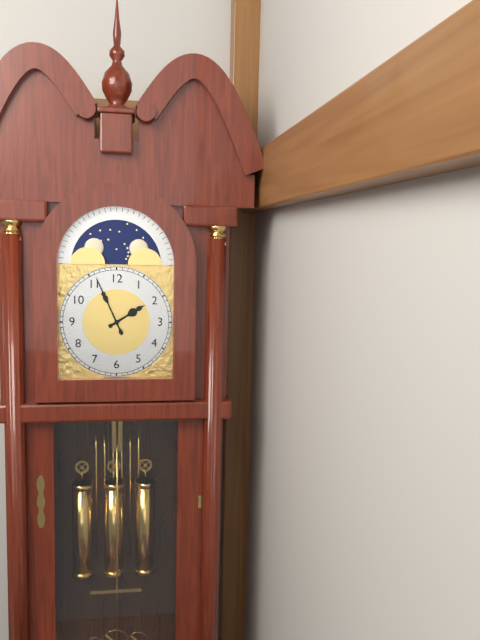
1:56
